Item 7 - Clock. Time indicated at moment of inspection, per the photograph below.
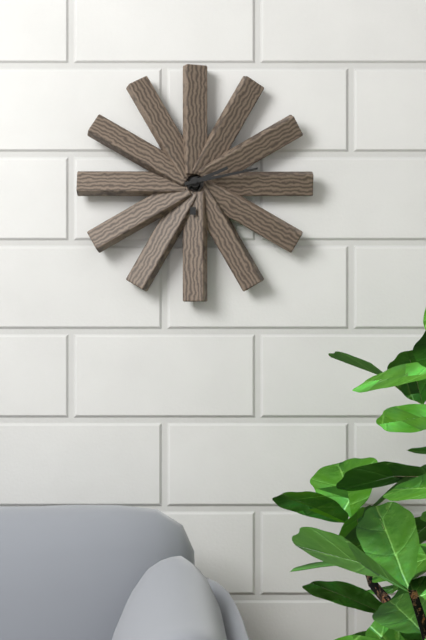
2:13
